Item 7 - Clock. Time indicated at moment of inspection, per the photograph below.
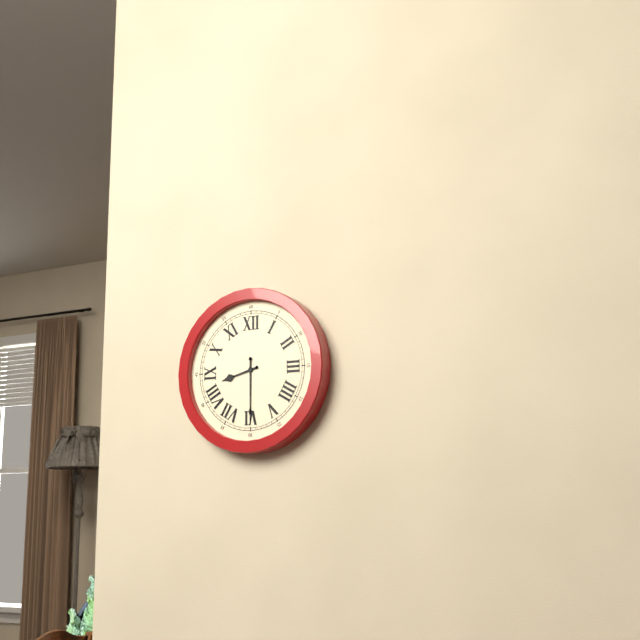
8:30
